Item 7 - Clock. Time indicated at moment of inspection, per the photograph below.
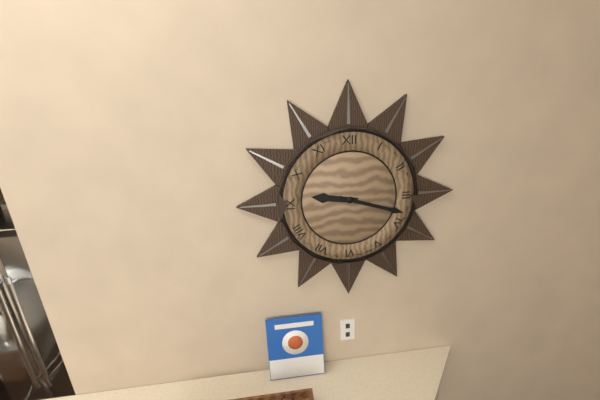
9:18
